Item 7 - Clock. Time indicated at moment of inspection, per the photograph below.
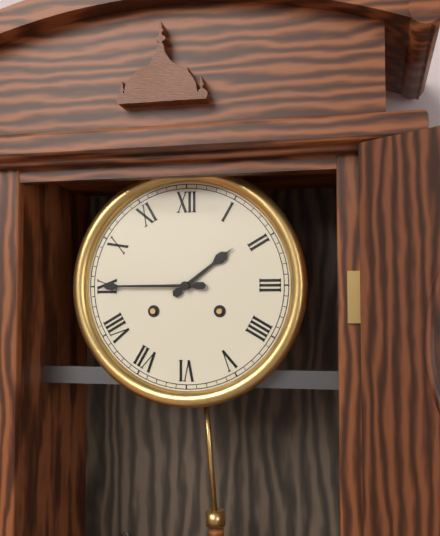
1:45
